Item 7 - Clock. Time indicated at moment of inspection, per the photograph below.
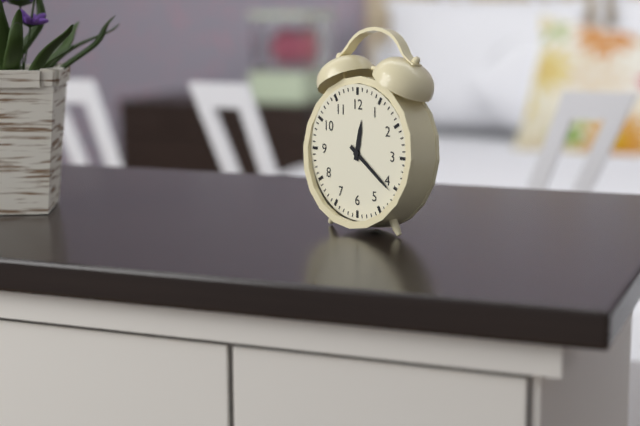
12:21
